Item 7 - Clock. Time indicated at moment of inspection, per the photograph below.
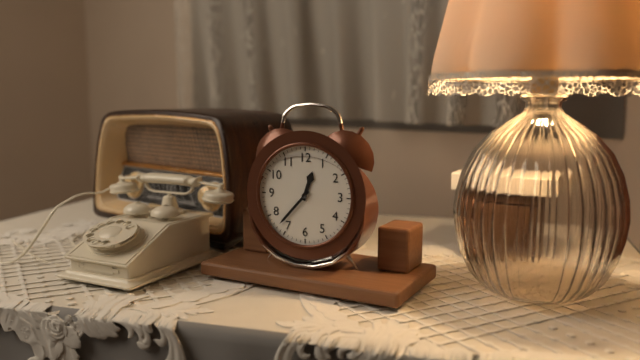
12:37
